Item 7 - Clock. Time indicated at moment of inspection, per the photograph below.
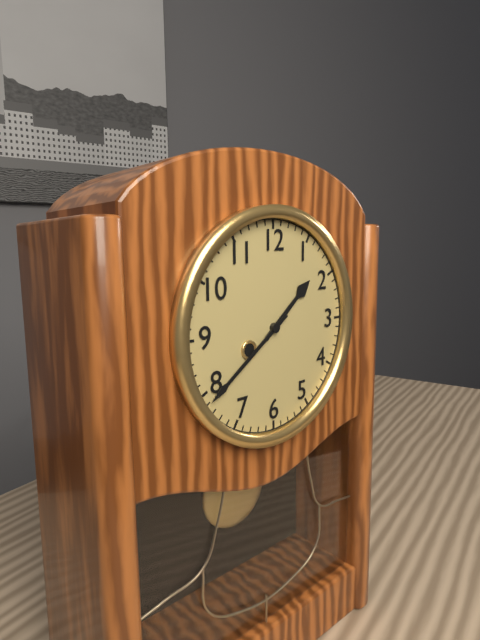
1:39
